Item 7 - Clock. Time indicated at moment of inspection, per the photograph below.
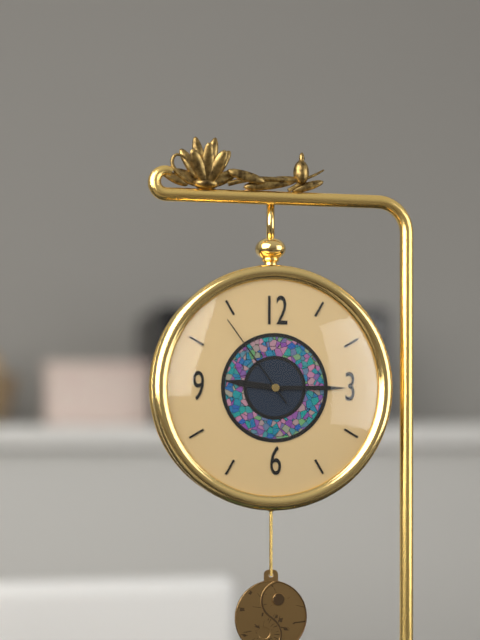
9:15:54
